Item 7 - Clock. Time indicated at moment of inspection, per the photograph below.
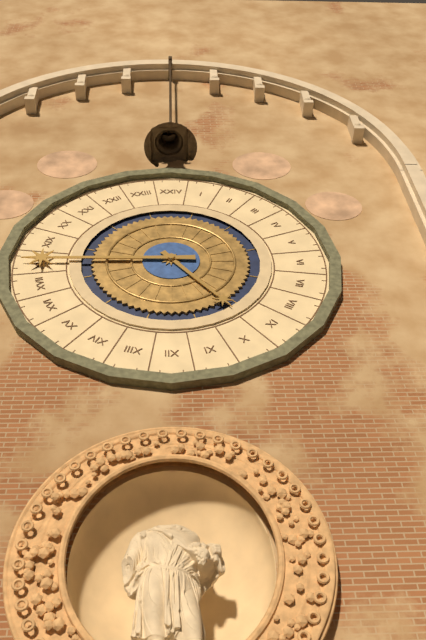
4:45
